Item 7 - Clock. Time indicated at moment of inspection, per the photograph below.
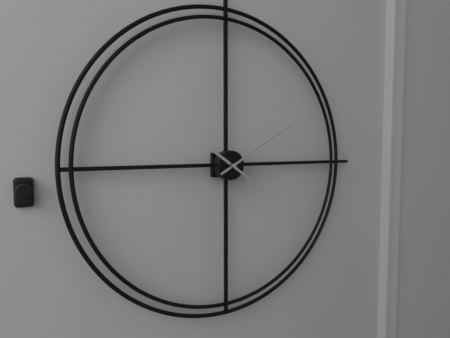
4:10
